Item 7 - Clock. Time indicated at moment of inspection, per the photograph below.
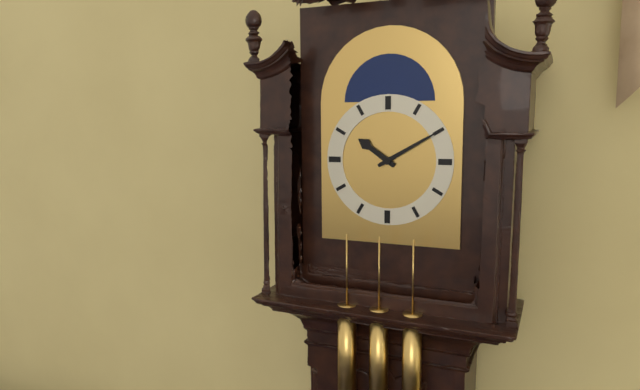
10:10
